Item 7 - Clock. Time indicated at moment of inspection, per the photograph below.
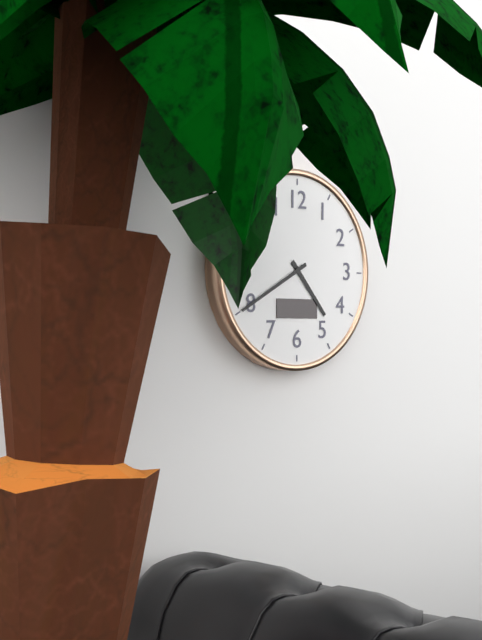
4:40
